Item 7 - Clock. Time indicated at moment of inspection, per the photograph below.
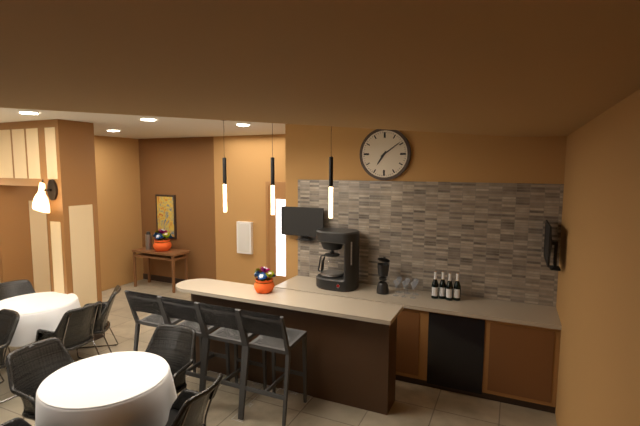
7:09
